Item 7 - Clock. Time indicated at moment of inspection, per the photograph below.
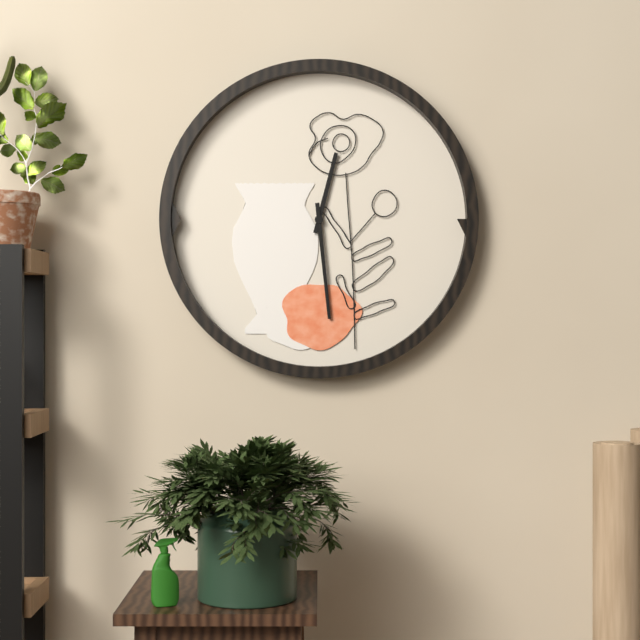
12:29
